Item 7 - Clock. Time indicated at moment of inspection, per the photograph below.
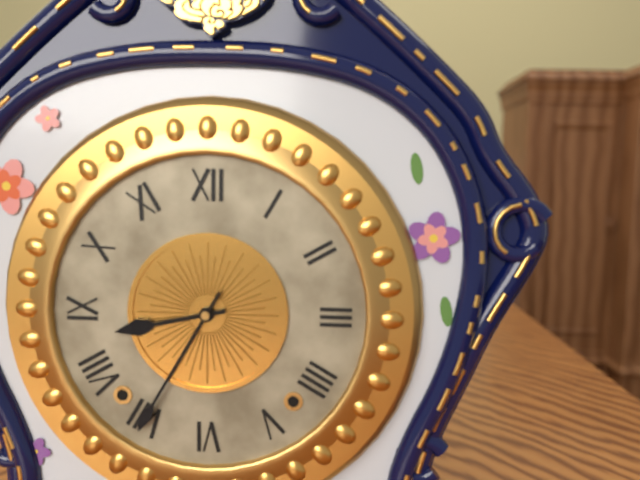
8:35
